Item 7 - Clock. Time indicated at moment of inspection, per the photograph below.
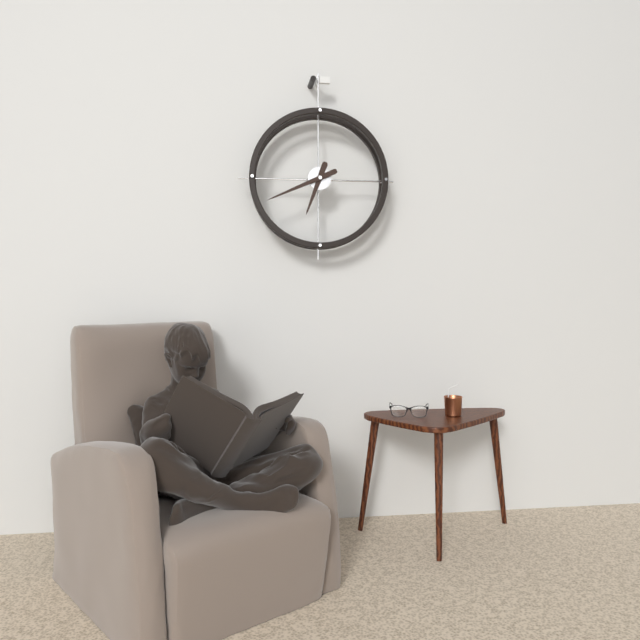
6:41
